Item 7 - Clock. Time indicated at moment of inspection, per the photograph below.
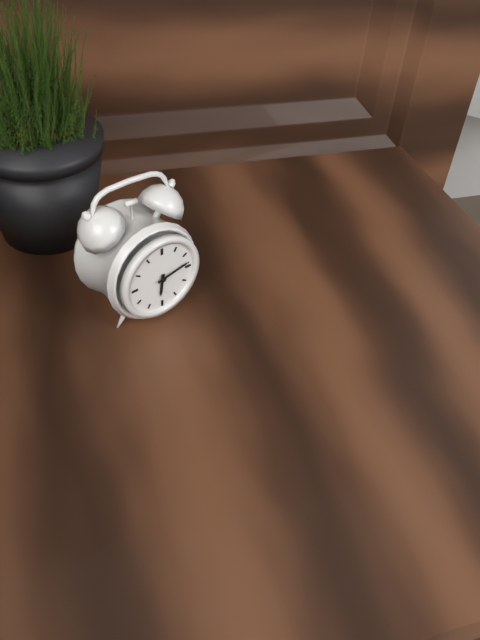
6:13
